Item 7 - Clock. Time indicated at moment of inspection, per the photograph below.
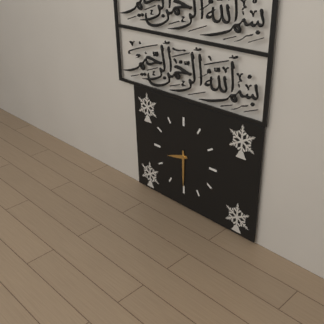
8:30
